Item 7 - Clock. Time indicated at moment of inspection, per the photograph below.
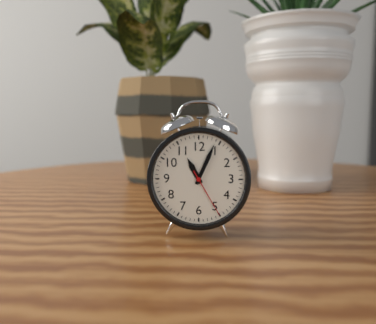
11:04:25
